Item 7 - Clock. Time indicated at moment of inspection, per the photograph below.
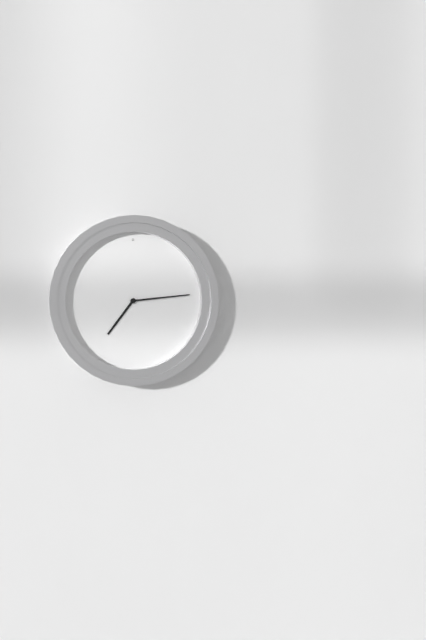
7:14
